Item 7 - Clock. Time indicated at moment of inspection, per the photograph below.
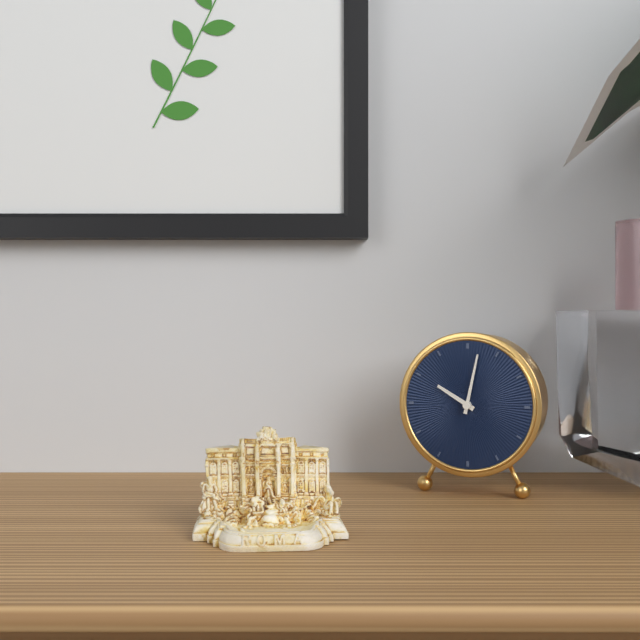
10:02
